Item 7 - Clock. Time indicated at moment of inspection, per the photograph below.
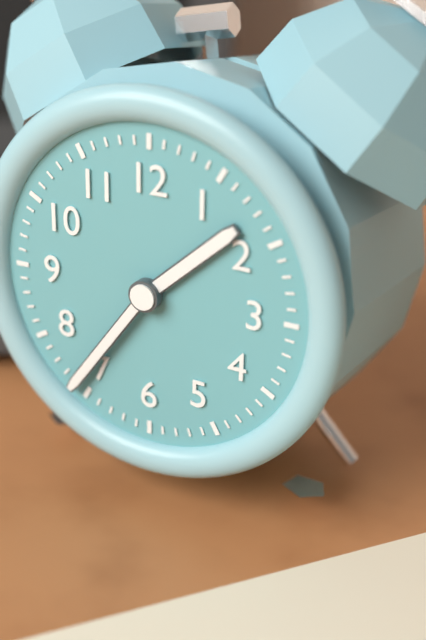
1:36
